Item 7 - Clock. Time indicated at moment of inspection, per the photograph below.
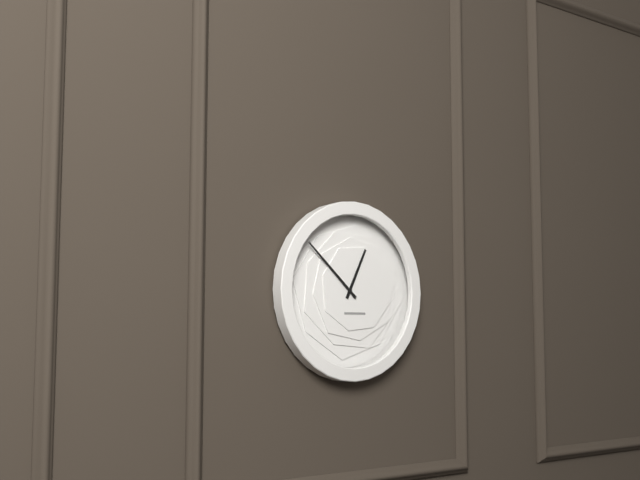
12:52
